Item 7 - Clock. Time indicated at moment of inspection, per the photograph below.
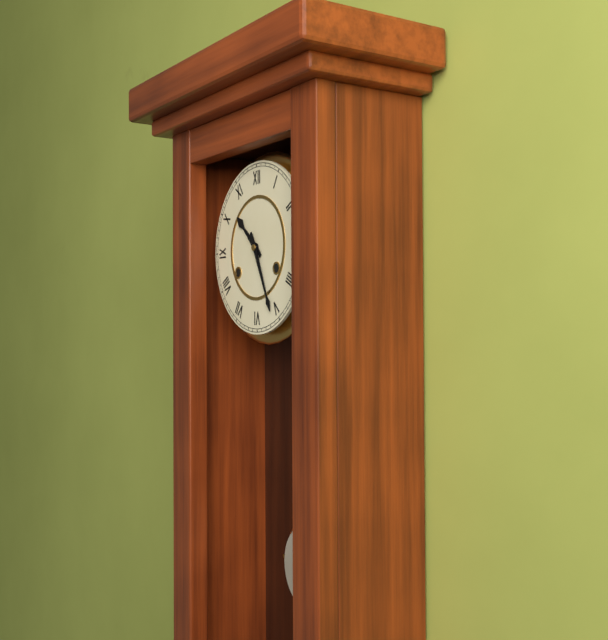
10:26
